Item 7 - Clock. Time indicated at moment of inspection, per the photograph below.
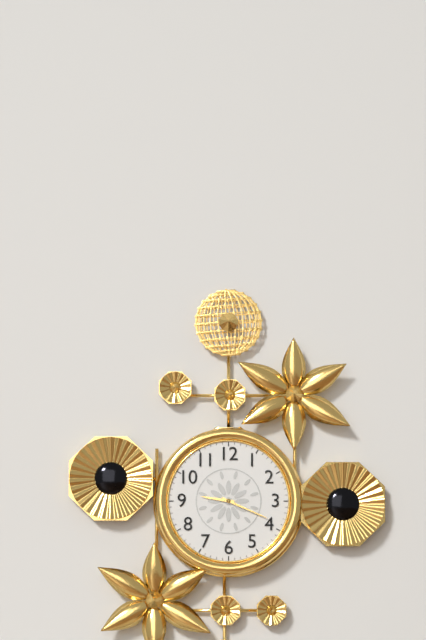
9:19
